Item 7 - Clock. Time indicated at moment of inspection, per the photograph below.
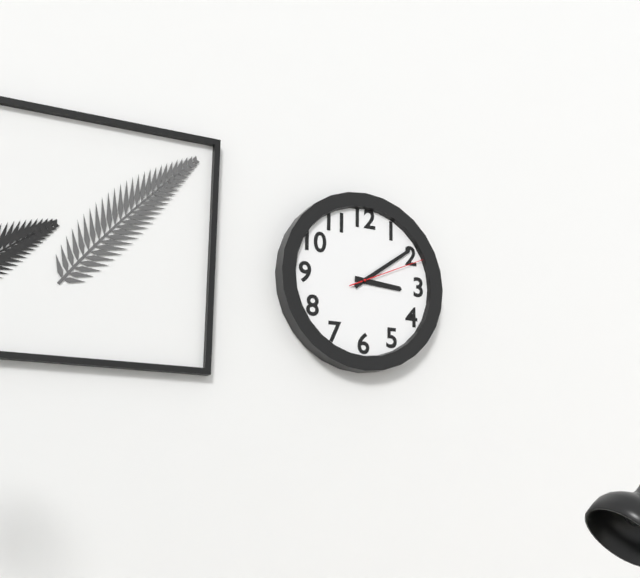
3:09:11
